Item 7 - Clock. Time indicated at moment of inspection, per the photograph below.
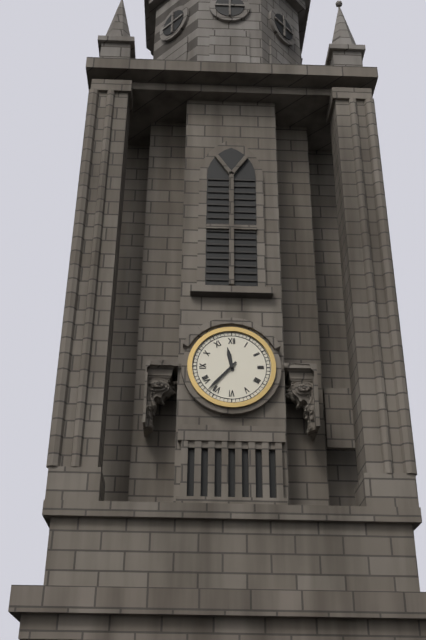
11:37
